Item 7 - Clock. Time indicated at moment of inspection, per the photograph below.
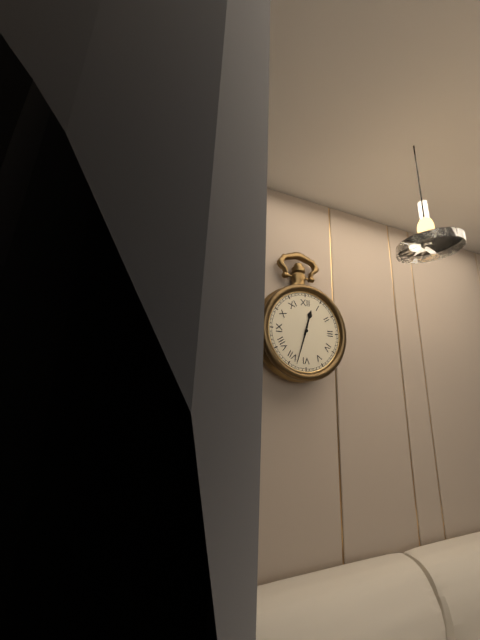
12:33
